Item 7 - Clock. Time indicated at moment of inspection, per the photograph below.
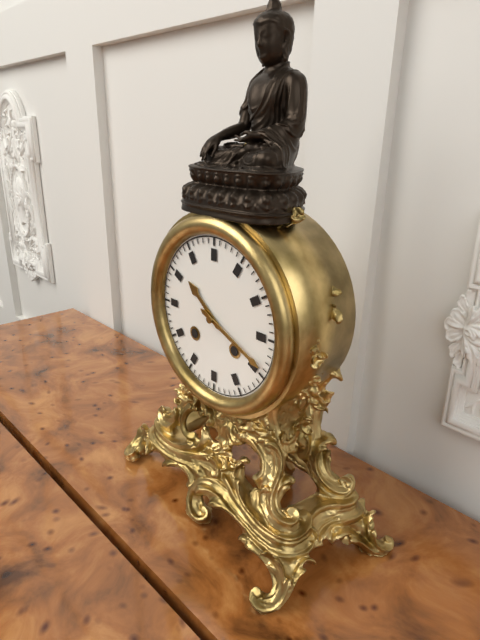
10:19
